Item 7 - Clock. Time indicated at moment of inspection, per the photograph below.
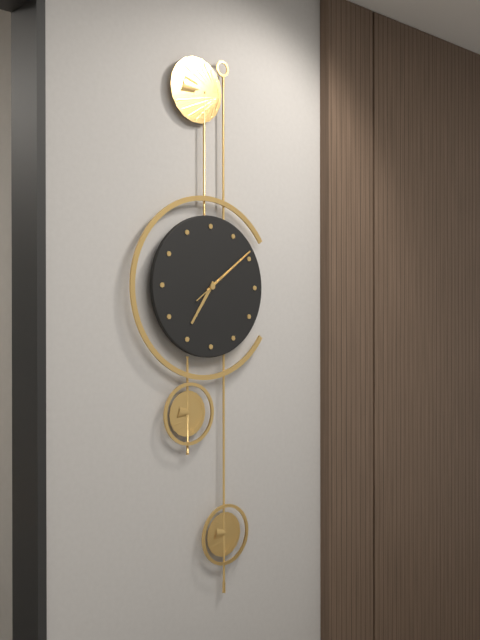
7:09:09
